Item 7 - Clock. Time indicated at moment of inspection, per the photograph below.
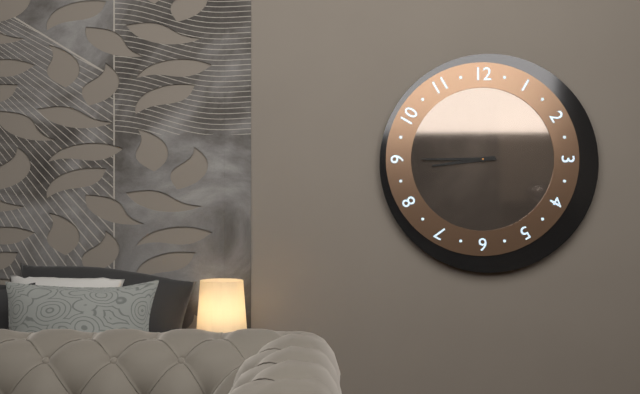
8:45
